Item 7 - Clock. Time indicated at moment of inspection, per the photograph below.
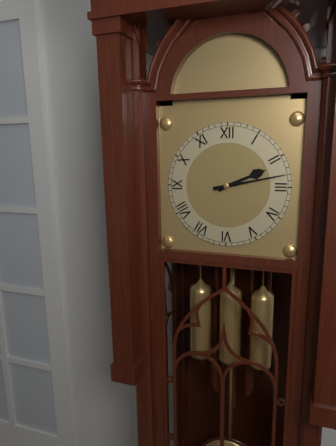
2:13
